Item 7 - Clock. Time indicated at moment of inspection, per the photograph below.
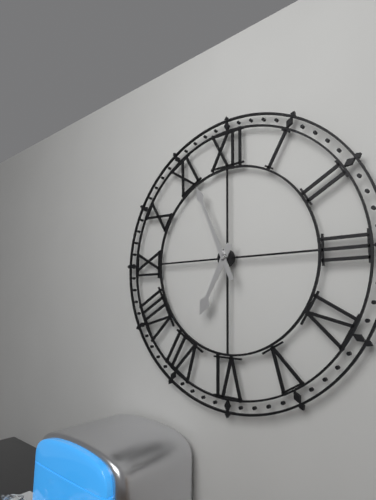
6:56
